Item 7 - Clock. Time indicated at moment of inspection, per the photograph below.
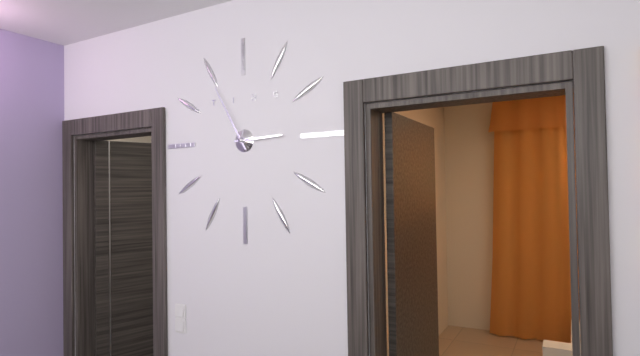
2:55
